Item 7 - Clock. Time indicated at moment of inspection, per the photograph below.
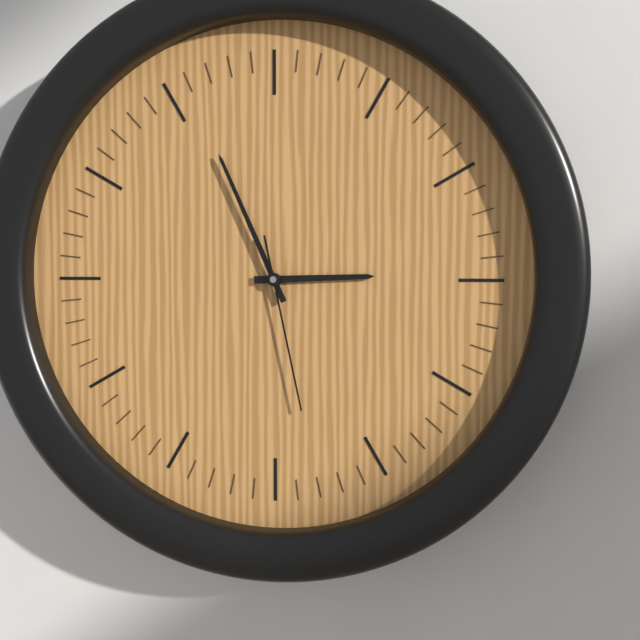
2:56:28
